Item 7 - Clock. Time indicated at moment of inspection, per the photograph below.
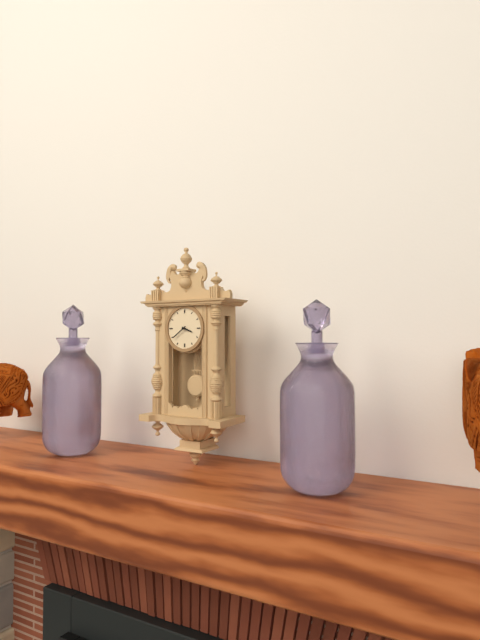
3:39
